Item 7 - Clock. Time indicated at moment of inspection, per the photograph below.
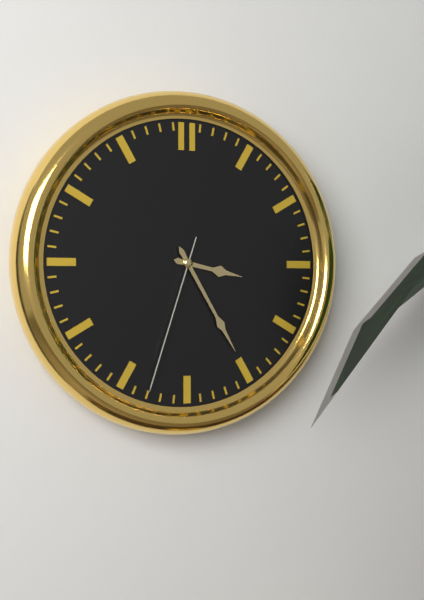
3:25:33
